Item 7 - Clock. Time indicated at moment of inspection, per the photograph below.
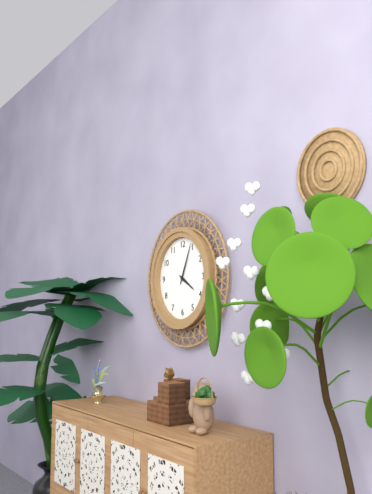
4:04
